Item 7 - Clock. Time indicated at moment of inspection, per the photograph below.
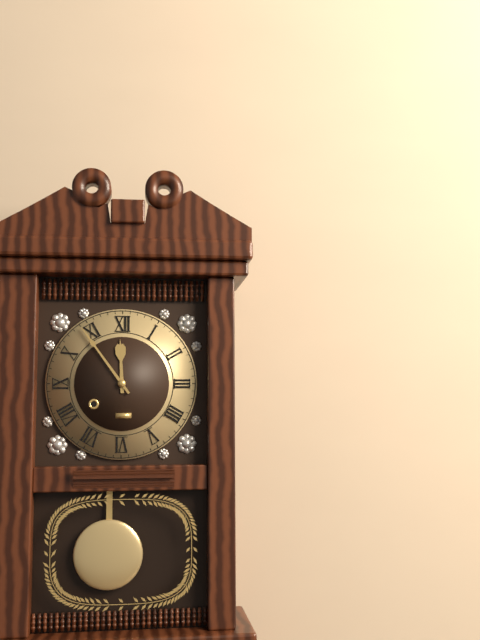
11:54
